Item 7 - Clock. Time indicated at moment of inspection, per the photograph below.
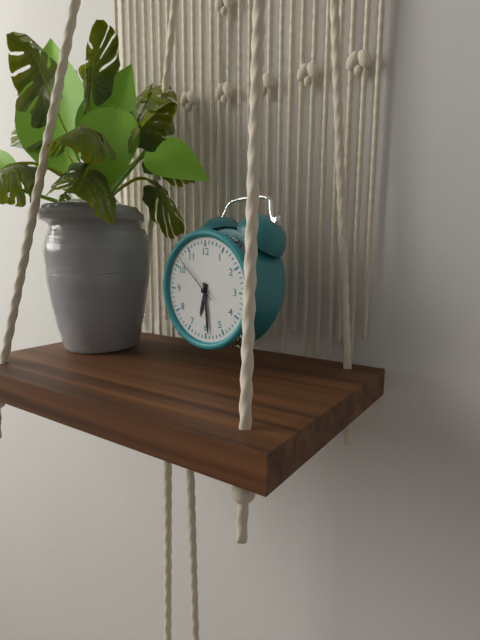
6:29:52
